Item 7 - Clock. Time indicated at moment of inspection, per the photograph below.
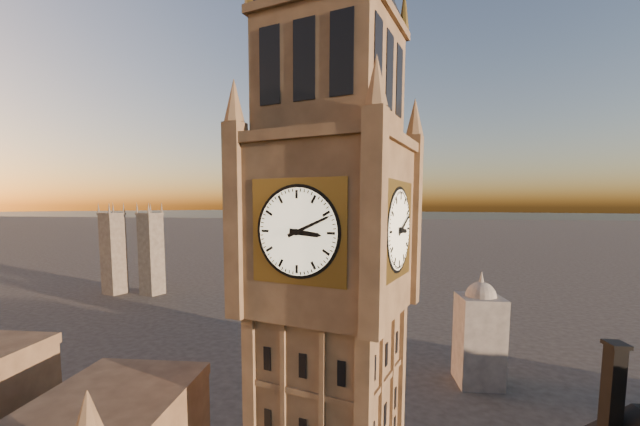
3:11
